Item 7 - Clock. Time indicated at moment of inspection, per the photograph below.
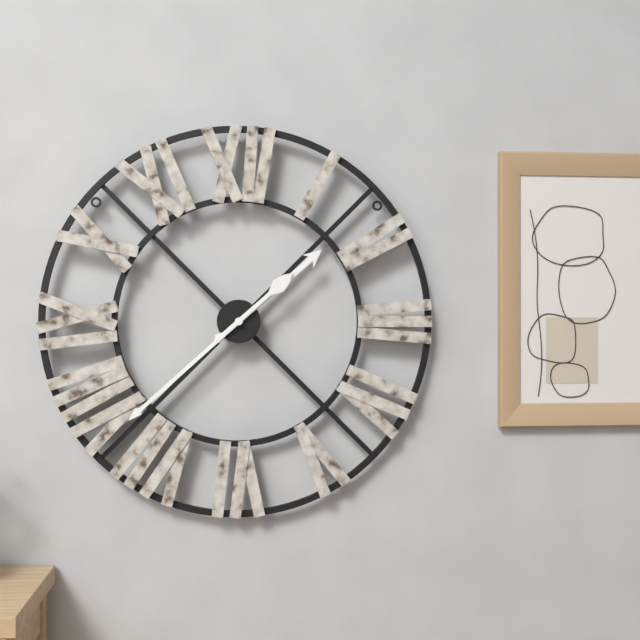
1:38
